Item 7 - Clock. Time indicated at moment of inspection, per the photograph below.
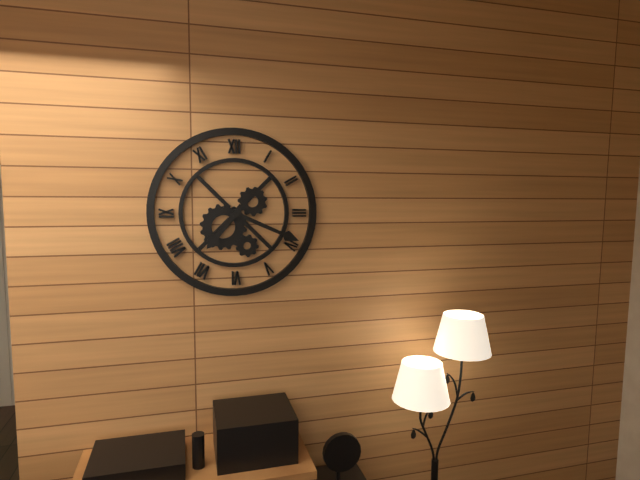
7:19
